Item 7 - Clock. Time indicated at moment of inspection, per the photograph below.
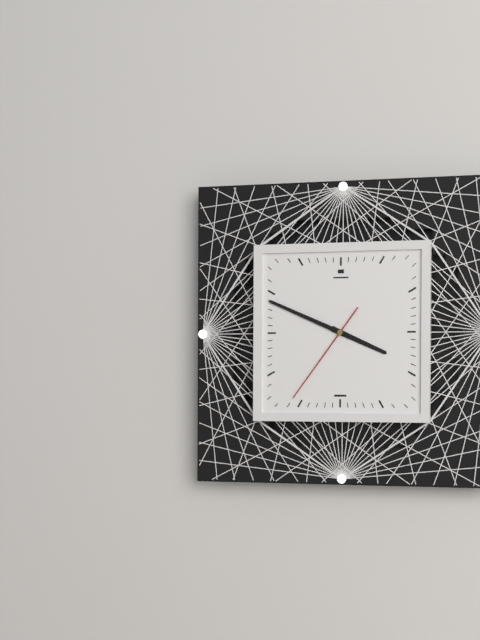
3:49:36
